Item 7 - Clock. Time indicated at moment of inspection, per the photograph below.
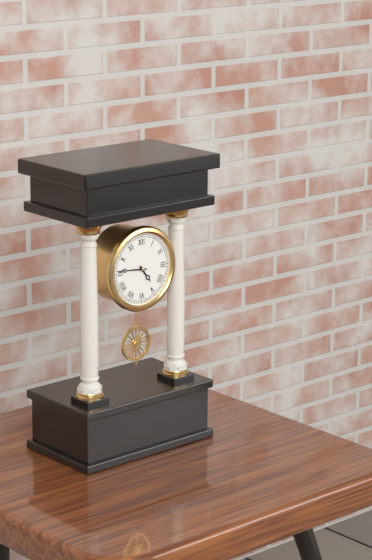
4:46
